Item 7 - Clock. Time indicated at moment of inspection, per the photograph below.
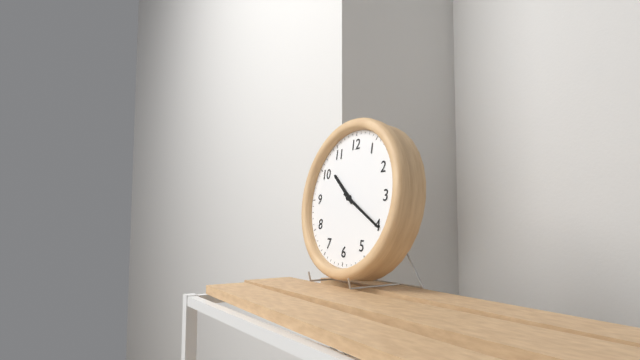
10:20
